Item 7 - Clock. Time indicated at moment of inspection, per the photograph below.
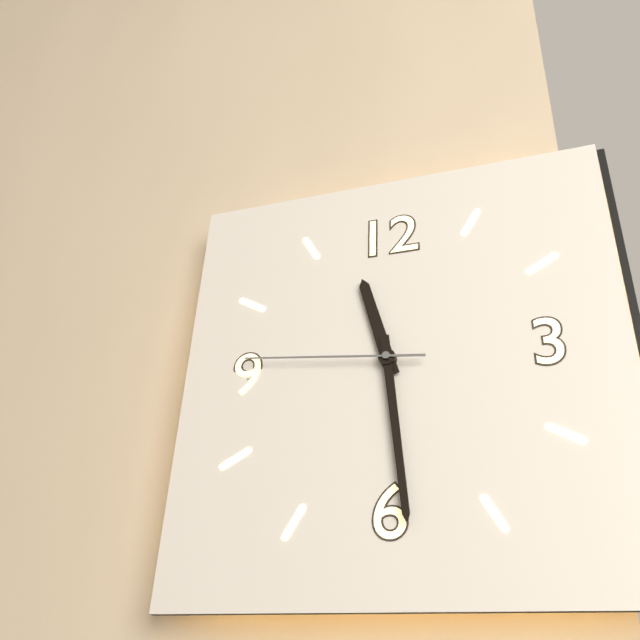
11:29:46
